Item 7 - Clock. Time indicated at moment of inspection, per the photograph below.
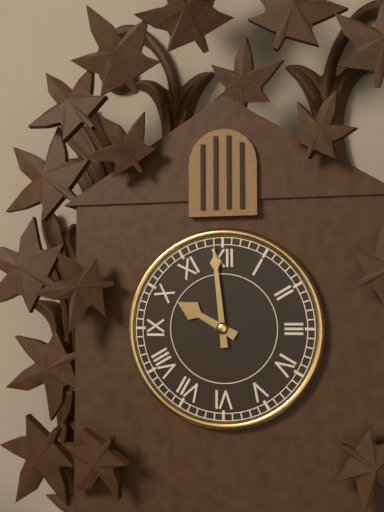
9:59
